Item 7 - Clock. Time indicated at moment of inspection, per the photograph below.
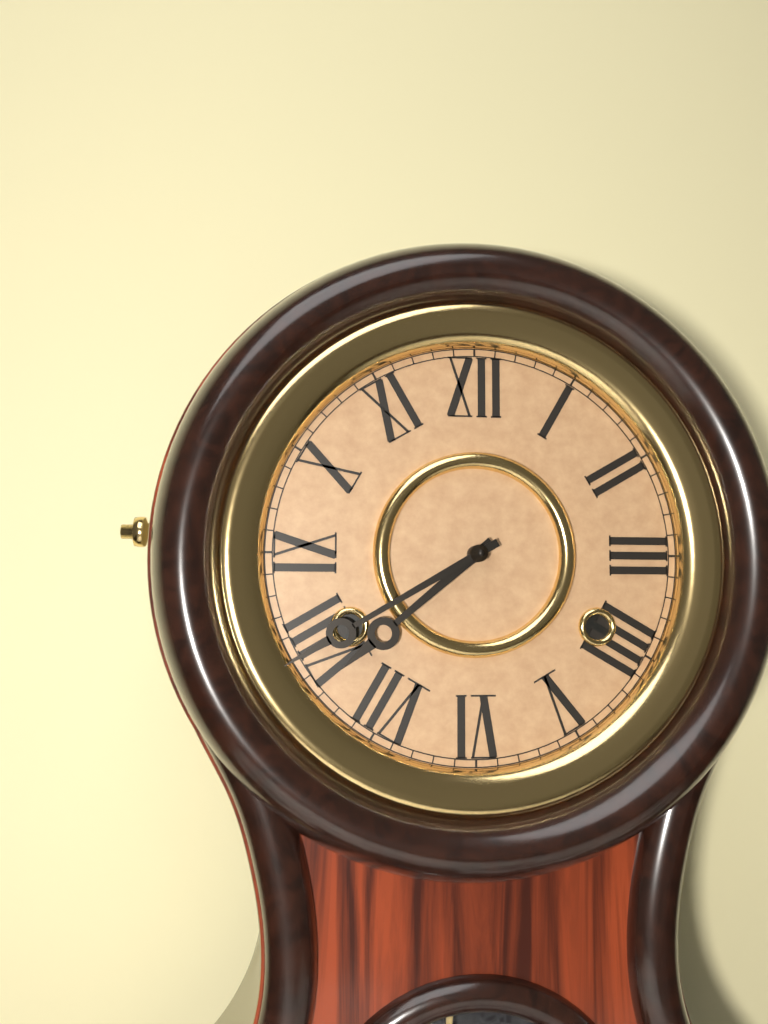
7:40
